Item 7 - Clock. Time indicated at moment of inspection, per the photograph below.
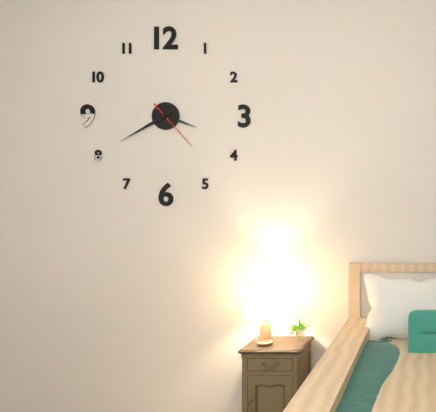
3:40
